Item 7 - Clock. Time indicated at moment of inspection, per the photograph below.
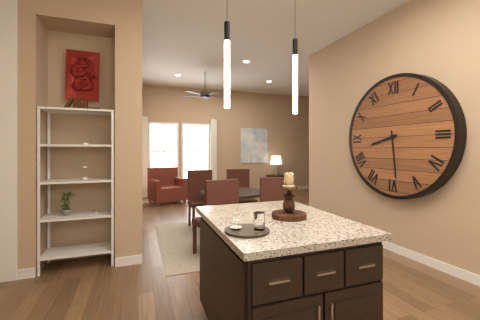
8:29
